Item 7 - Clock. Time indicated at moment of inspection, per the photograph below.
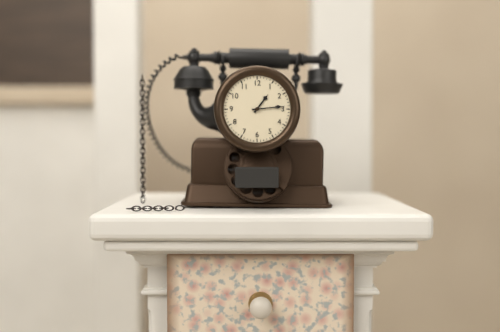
1:14
